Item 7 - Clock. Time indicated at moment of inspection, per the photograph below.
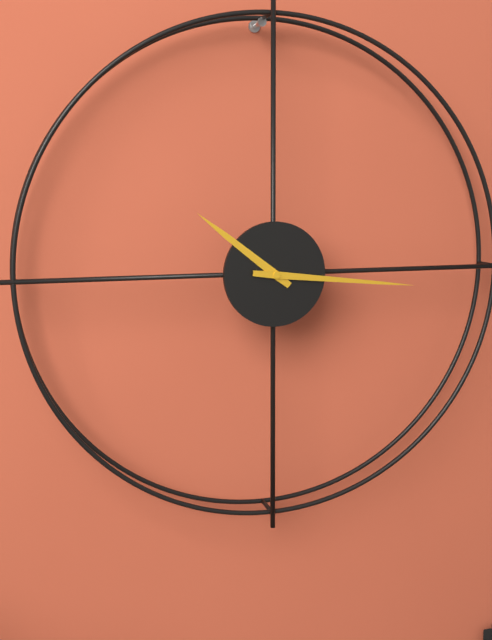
10:16
